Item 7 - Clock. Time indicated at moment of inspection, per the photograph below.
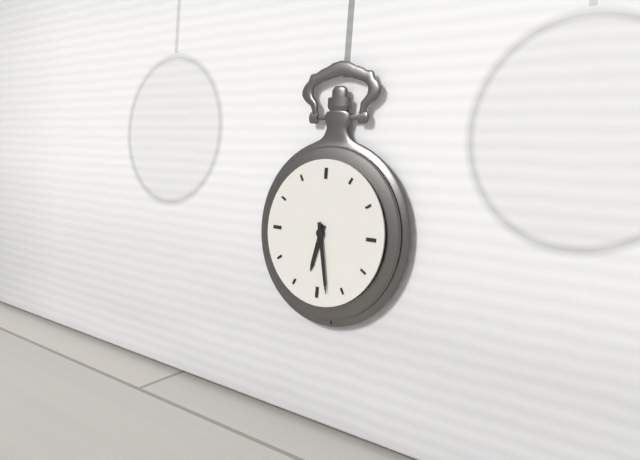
6:28
